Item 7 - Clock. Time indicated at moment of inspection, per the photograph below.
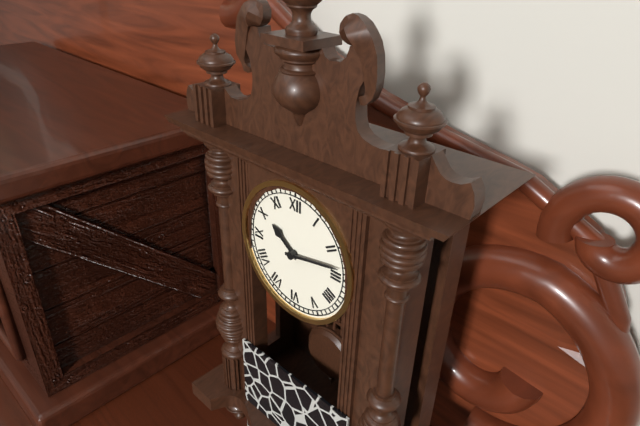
10:13
